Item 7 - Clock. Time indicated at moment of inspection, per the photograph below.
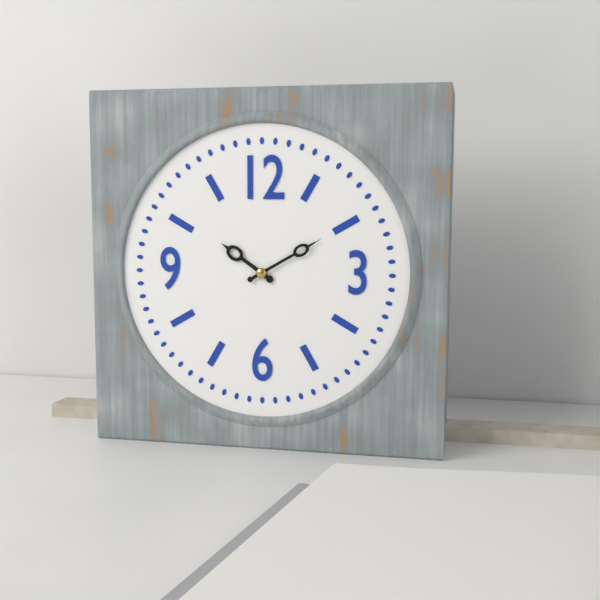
10:10
